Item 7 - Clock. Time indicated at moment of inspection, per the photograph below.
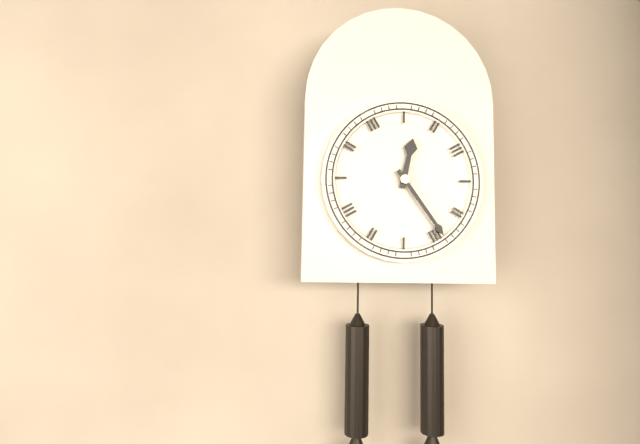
12:24
